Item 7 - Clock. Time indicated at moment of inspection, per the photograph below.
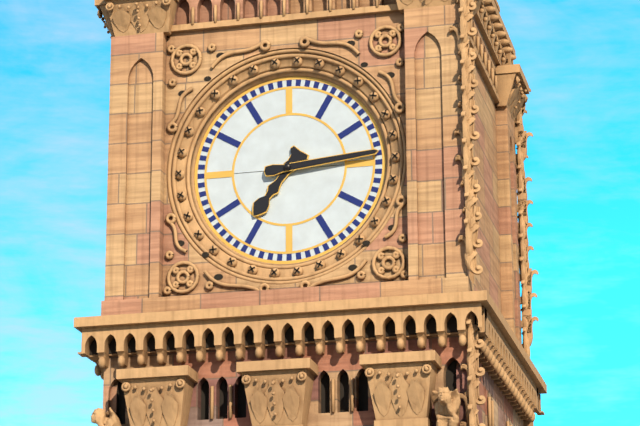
7:14
